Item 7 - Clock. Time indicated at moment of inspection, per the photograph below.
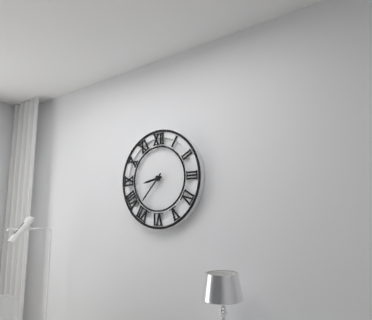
8:37
